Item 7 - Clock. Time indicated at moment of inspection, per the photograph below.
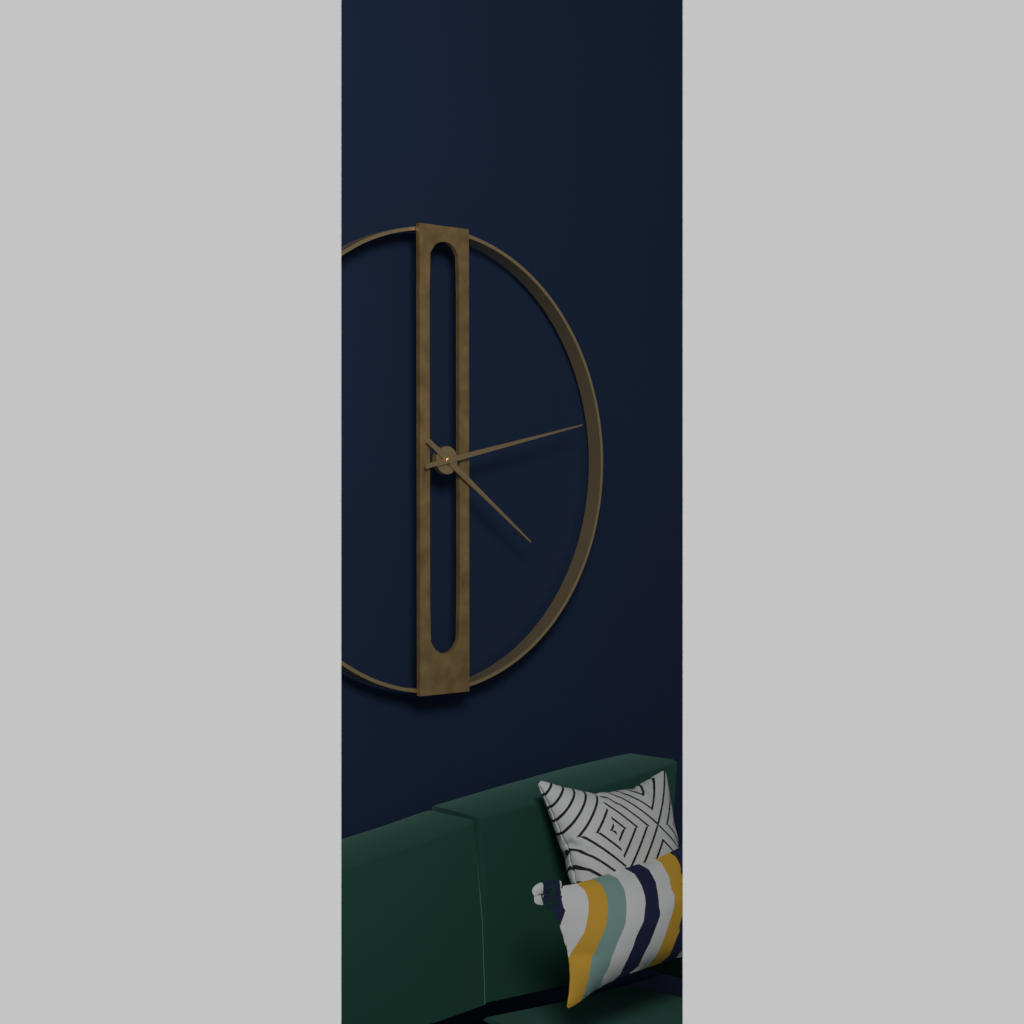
4:13
